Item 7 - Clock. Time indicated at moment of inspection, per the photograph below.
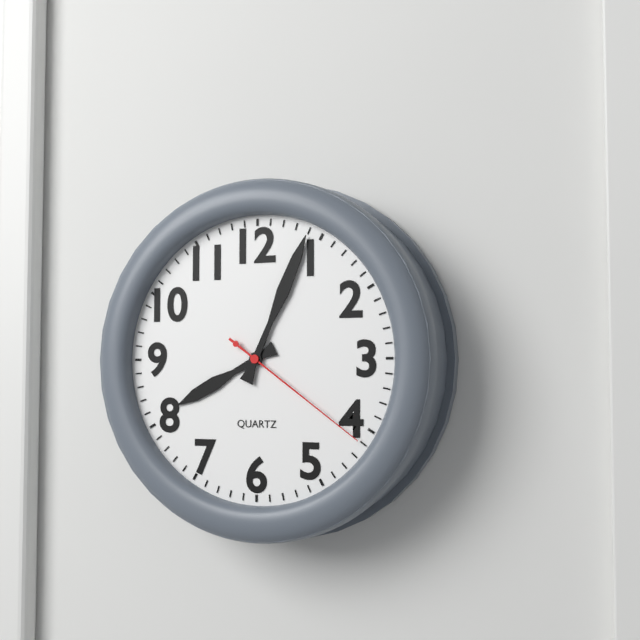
8:04:21
